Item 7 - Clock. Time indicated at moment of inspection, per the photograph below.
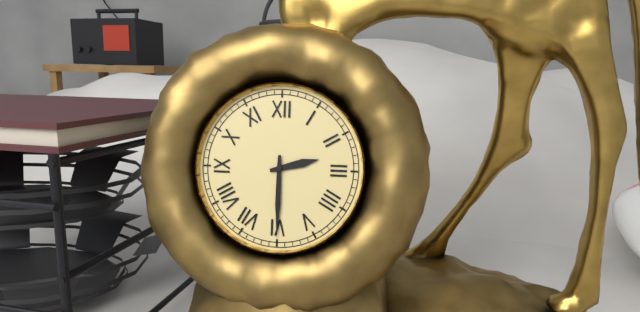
2:30
